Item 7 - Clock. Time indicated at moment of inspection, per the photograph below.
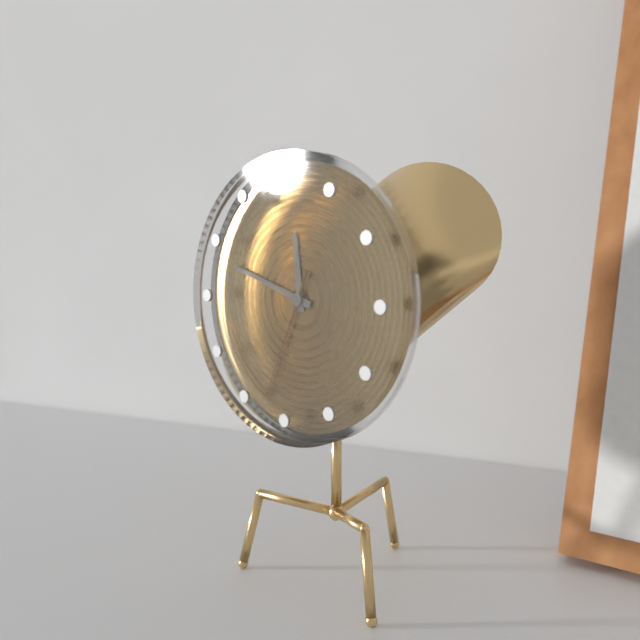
11:48:34
